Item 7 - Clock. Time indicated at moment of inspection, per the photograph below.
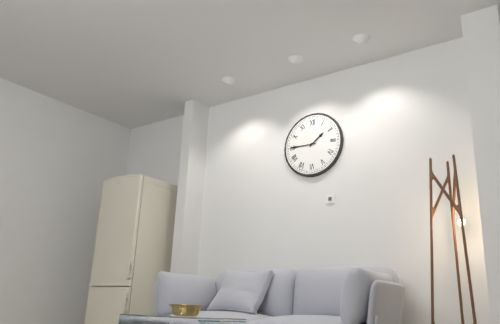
1:45
